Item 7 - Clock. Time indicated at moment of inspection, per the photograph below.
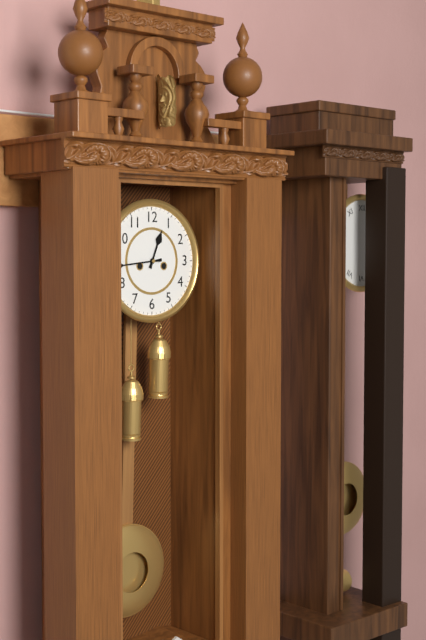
12:44
